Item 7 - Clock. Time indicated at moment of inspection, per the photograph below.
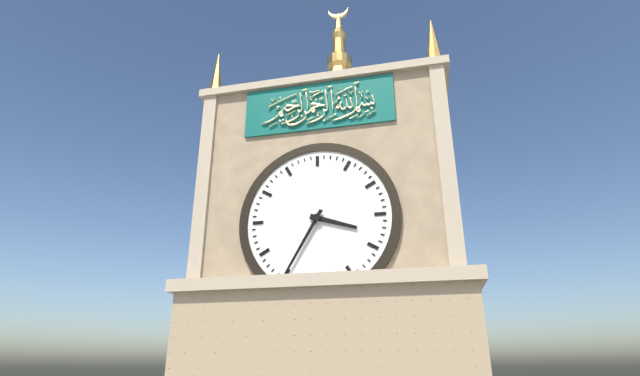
3:35
